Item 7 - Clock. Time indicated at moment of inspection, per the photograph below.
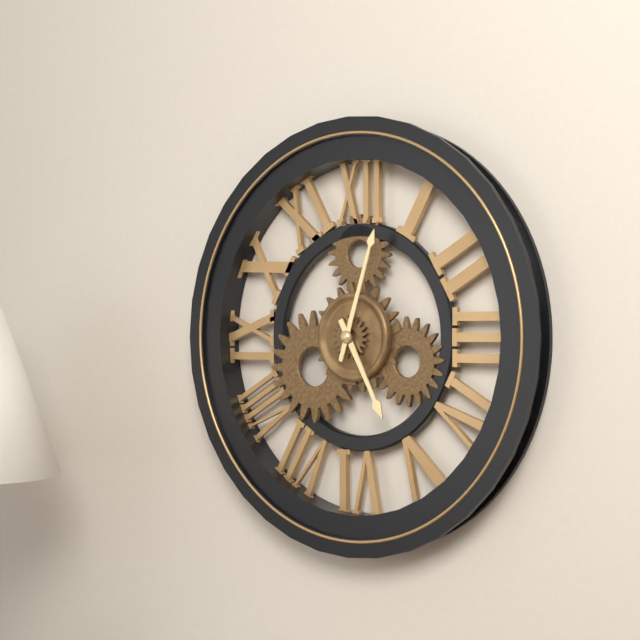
5:03
